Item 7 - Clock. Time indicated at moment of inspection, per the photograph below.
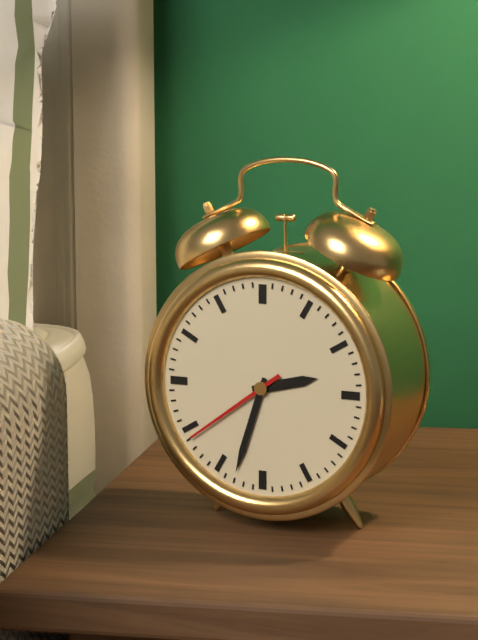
2:33:39
